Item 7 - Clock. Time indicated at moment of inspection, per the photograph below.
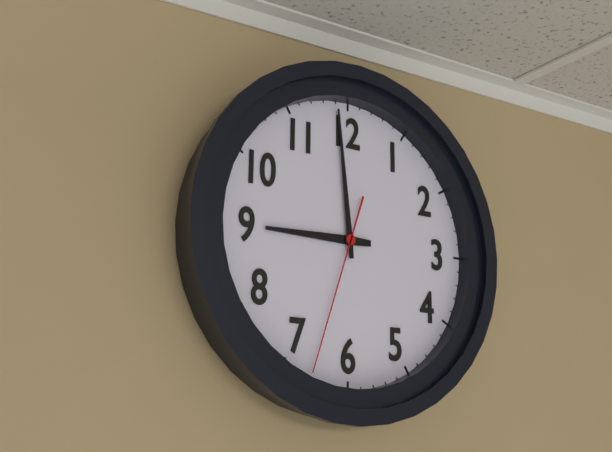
8:59:33
